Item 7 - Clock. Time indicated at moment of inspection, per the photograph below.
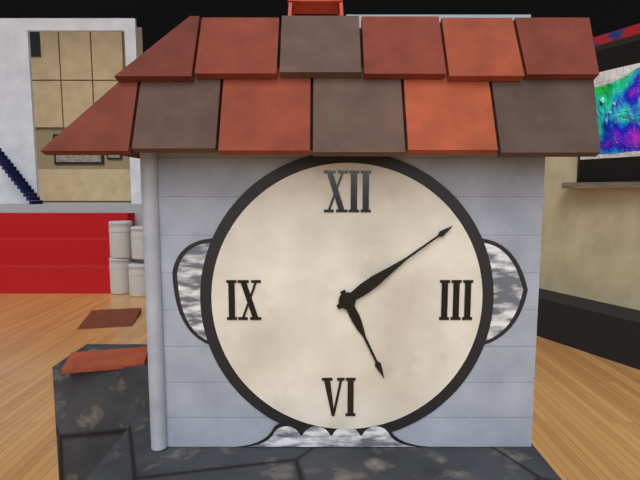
5:09
